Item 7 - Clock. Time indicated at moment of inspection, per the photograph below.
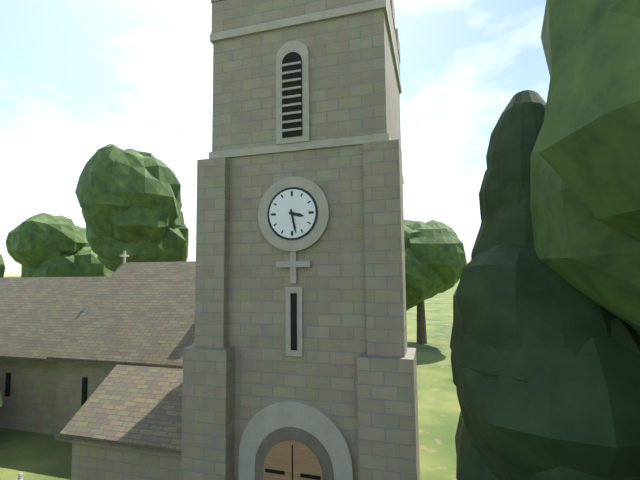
3:28
